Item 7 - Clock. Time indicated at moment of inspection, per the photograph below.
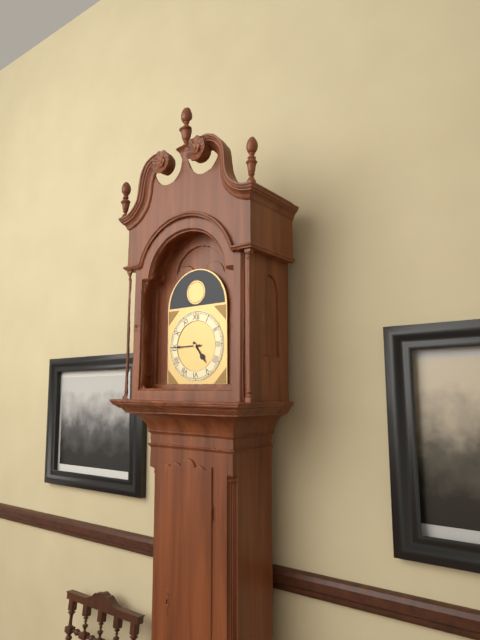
4:45
